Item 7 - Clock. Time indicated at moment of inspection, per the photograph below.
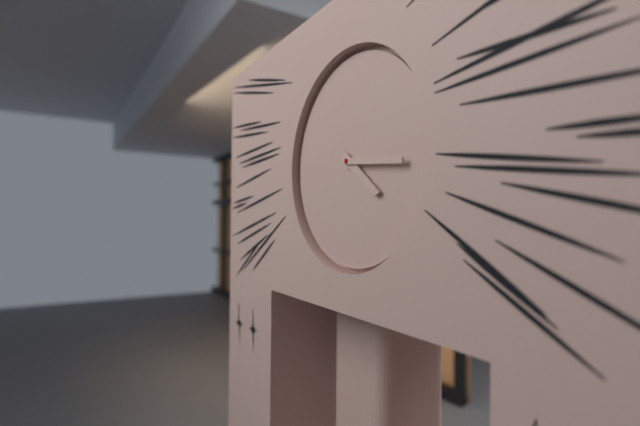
4:16
